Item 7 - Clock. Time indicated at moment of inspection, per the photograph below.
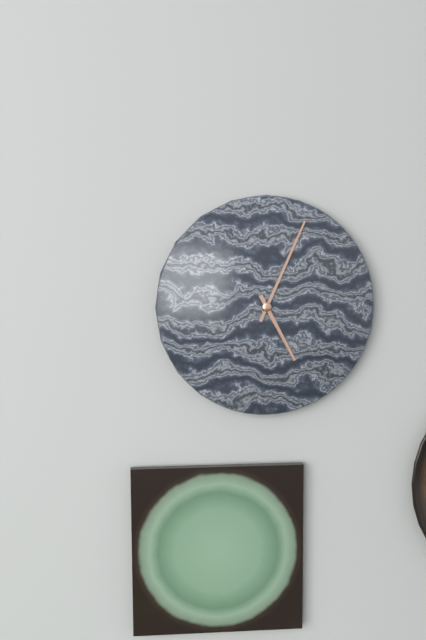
5:04
